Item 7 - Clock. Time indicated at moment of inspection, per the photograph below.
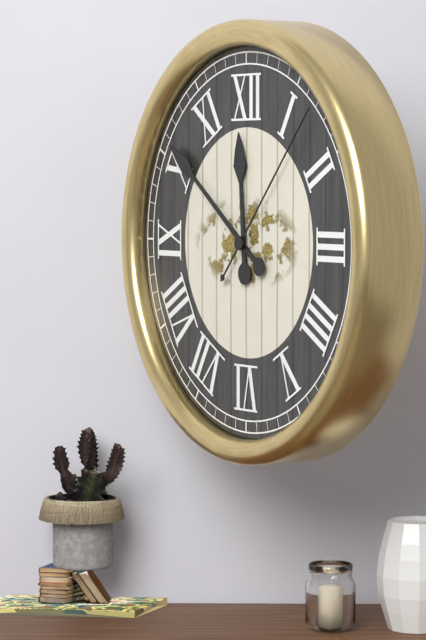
11:51:07
